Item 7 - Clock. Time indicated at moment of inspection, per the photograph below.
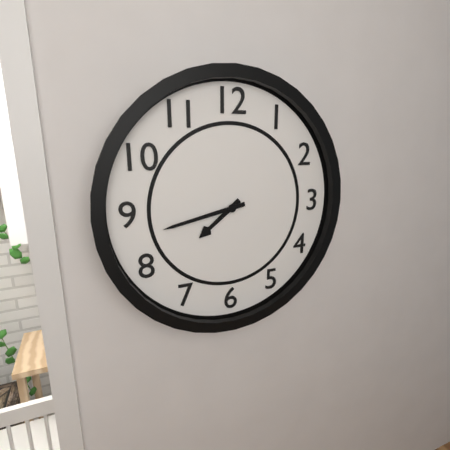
7:43
